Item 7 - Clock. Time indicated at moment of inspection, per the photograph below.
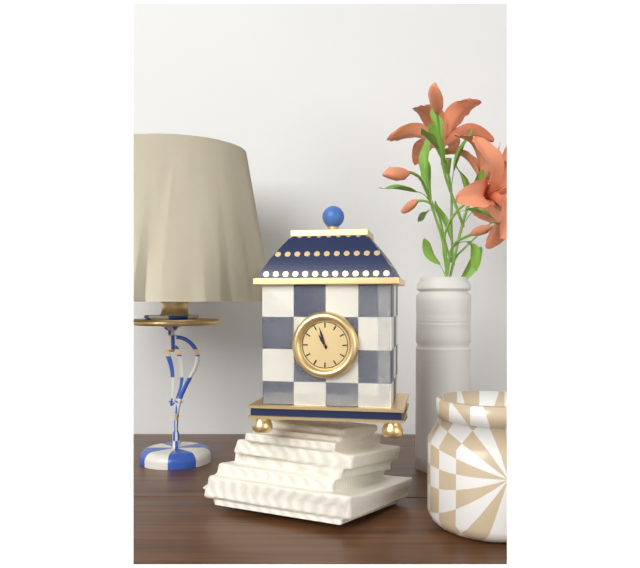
10:57
